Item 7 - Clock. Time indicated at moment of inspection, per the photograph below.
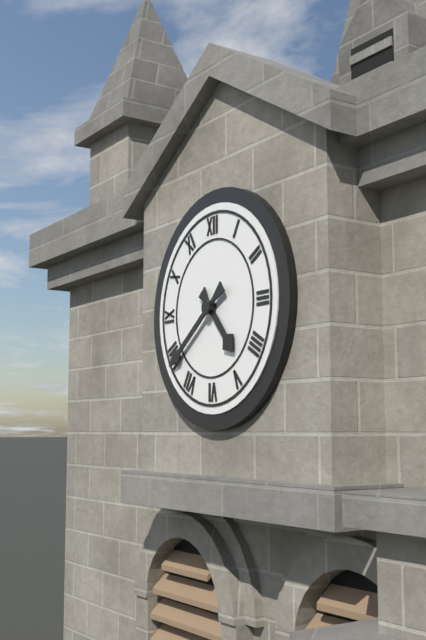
4:39
